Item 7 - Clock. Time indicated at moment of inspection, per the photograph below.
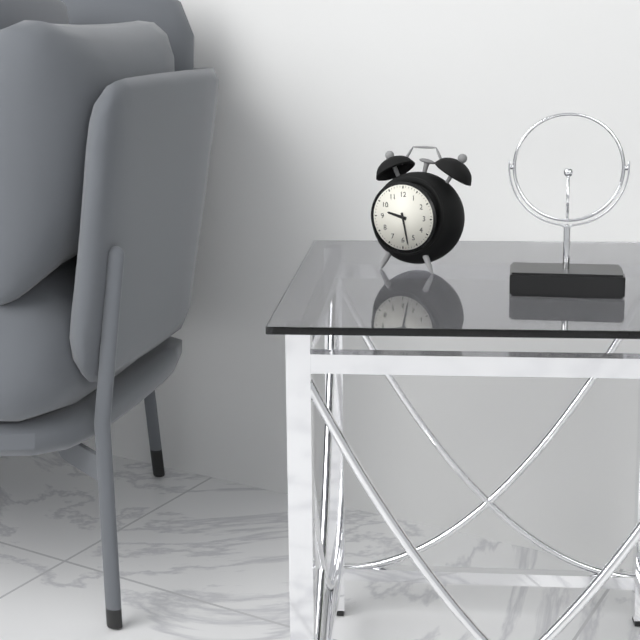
9:28
